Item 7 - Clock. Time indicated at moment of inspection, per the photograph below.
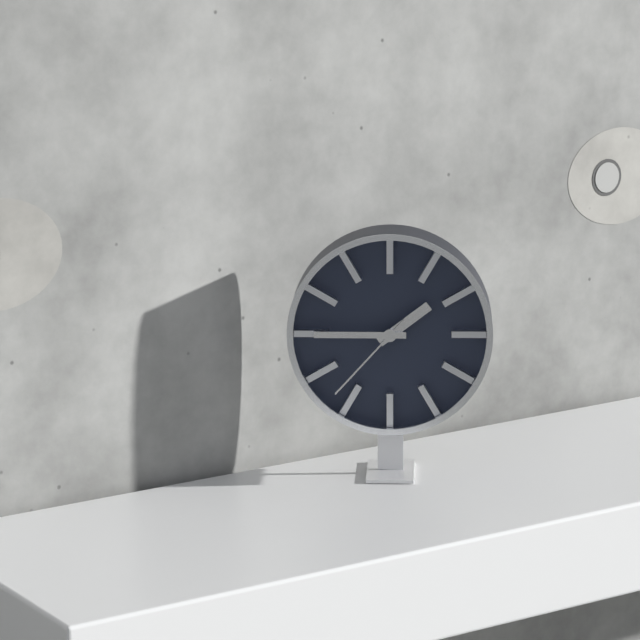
1:45:37
